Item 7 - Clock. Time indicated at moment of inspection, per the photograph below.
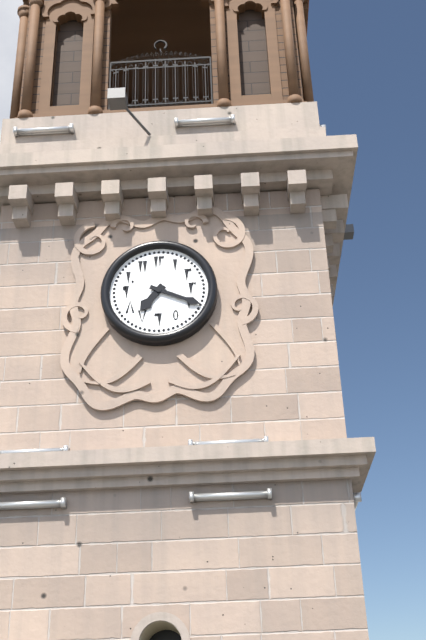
7:19
